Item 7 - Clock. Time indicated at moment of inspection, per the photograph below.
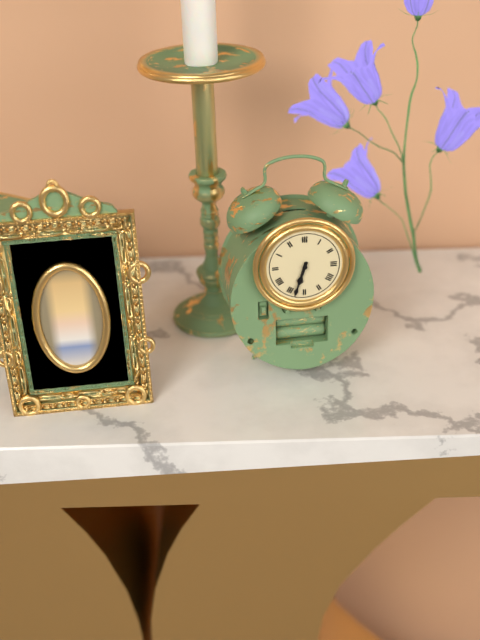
6:33
